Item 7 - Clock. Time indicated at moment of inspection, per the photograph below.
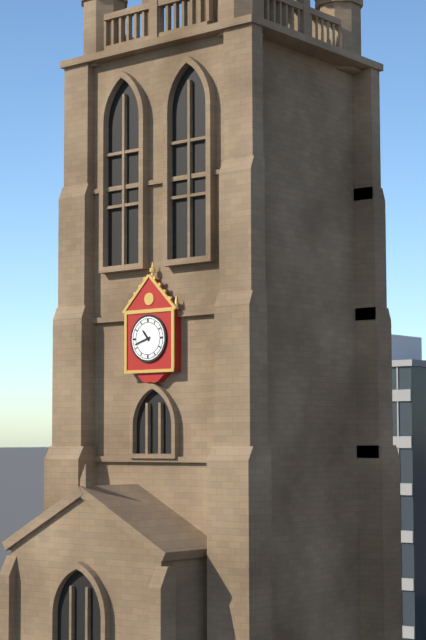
10:42
